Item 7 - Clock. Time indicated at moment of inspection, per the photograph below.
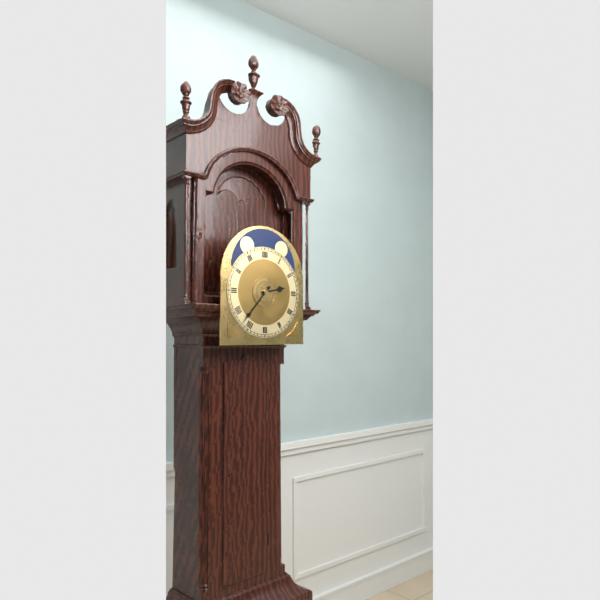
2:37
